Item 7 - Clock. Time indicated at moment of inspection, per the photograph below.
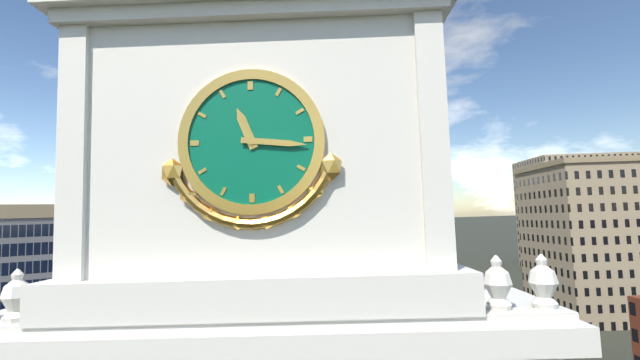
11:16
